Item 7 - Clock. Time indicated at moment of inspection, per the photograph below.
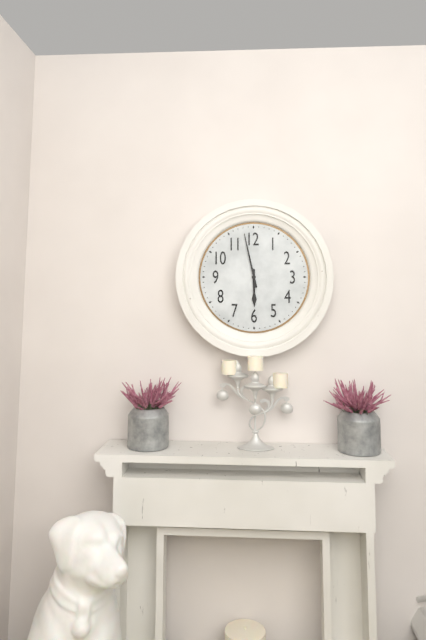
5:58
